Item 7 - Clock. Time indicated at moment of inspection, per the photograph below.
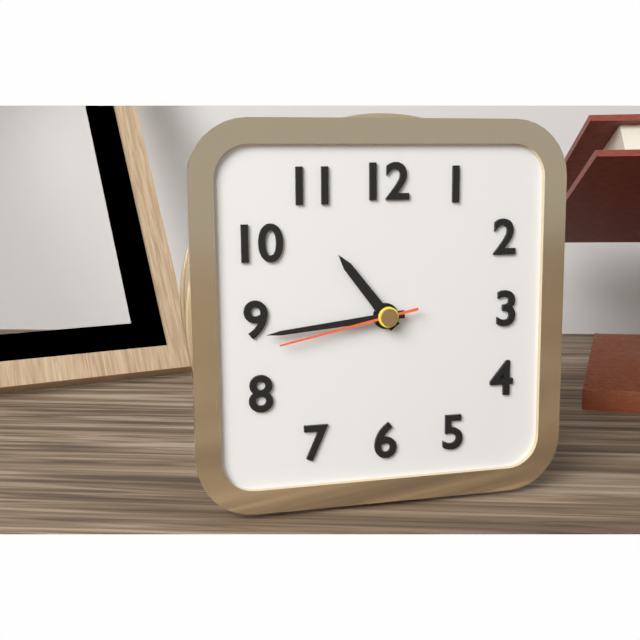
10:44:43
